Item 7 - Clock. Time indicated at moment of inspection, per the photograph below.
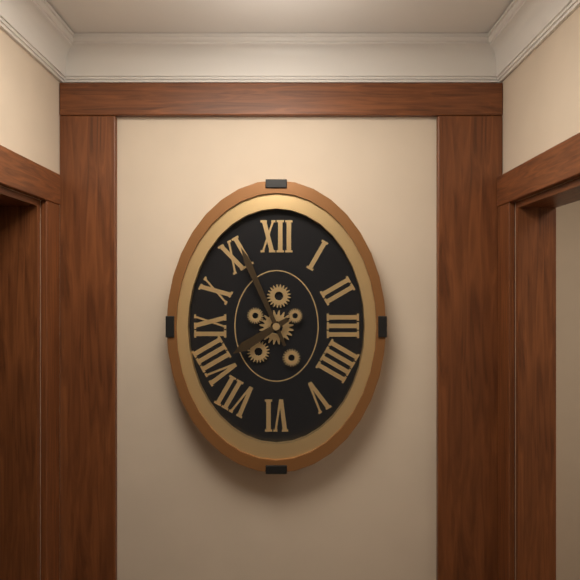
7:56
